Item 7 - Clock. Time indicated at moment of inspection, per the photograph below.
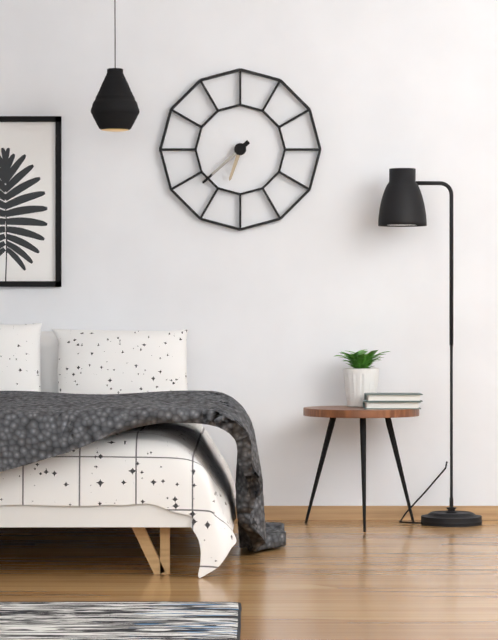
6:38
